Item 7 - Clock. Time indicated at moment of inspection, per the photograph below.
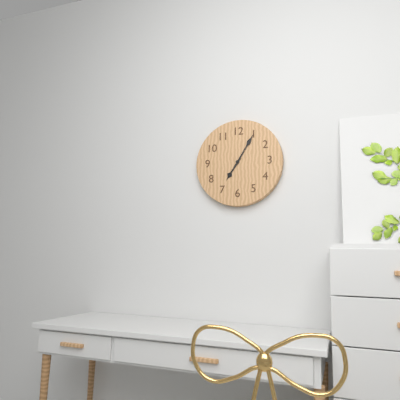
7:05
